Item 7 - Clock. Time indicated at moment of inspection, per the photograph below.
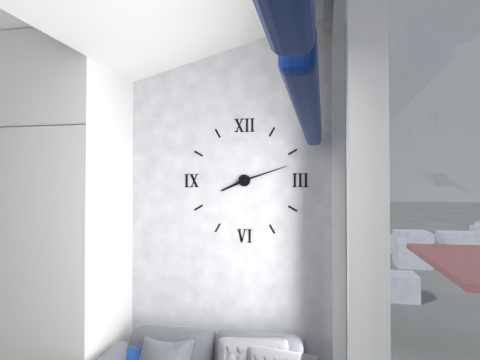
8:12
